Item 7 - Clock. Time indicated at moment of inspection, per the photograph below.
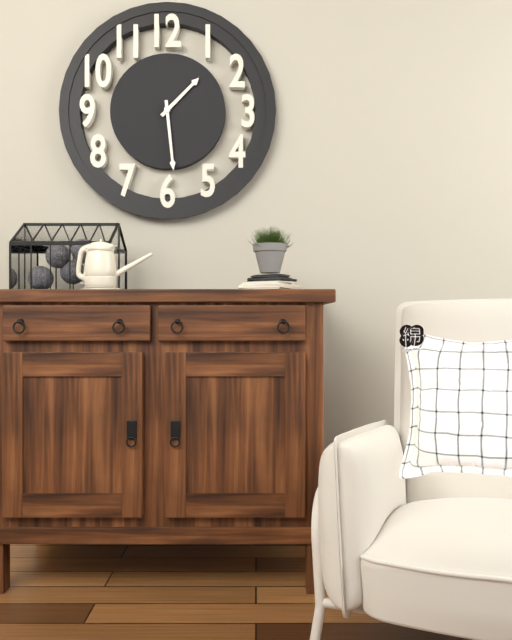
1:29
